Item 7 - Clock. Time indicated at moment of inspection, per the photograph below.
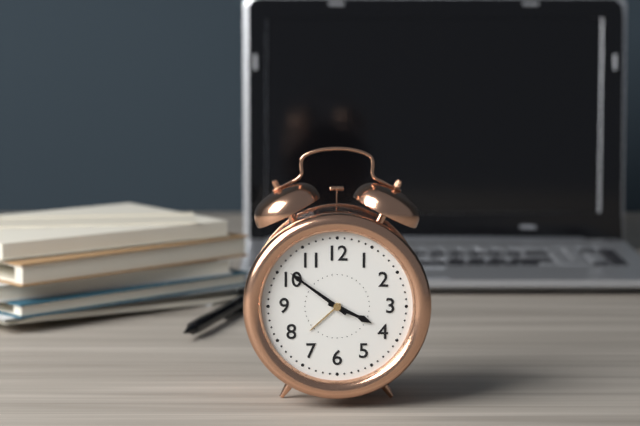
3:51
